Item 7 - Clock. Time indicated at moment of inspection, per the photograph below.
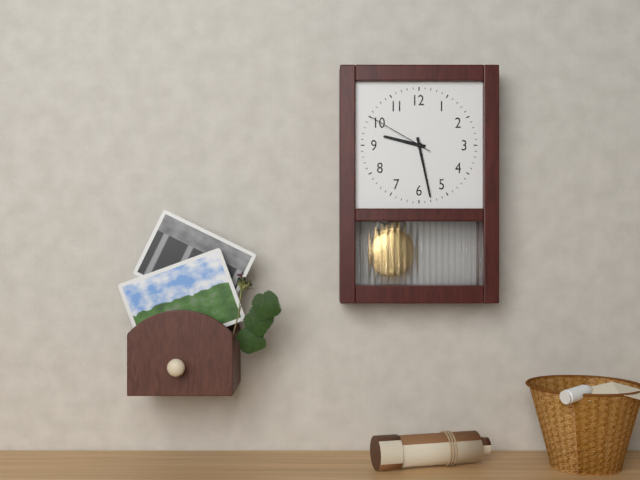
9:28:50
